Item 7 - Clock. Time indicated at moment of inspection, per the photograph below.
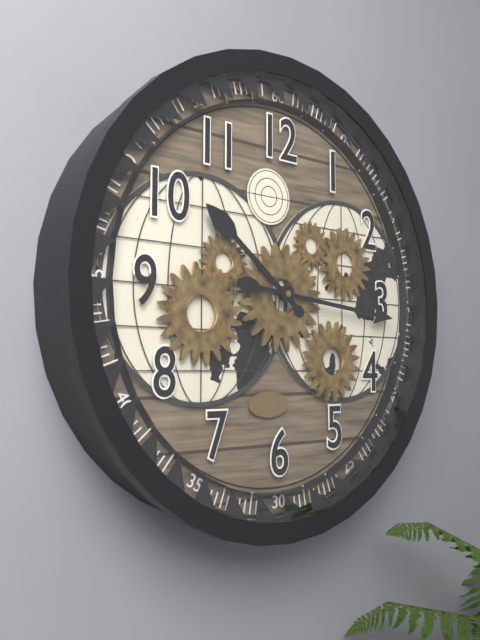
10:16
